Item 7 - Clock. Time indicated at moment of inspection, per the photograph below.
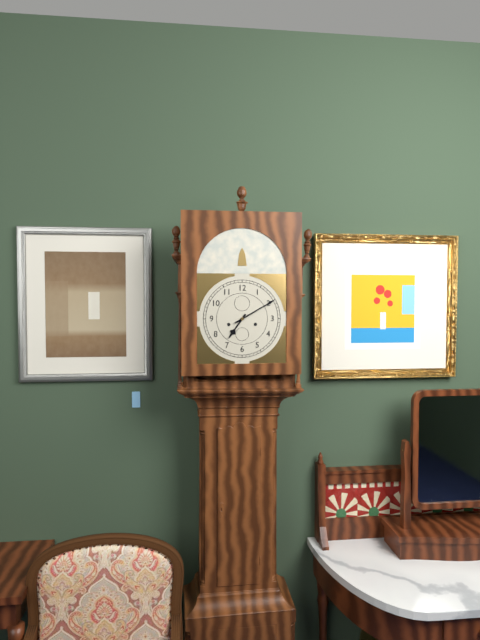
7:10
